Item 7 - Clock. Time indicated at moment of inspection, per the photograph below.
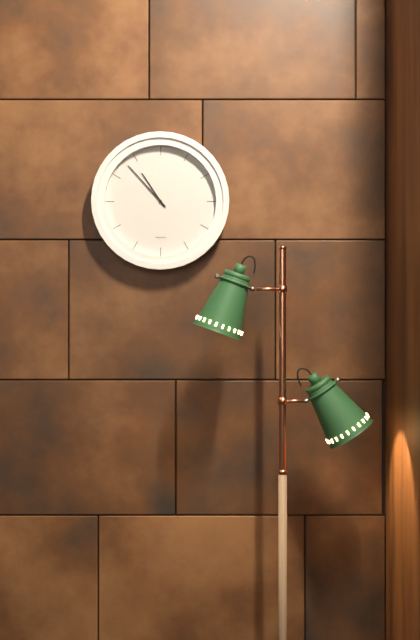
10:53
